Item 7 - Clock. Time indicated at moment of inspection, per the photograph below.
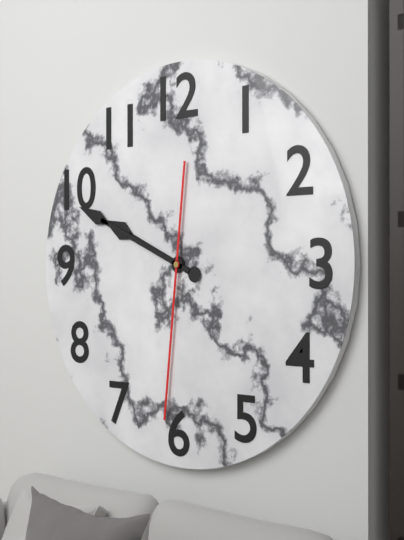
9:49:31
